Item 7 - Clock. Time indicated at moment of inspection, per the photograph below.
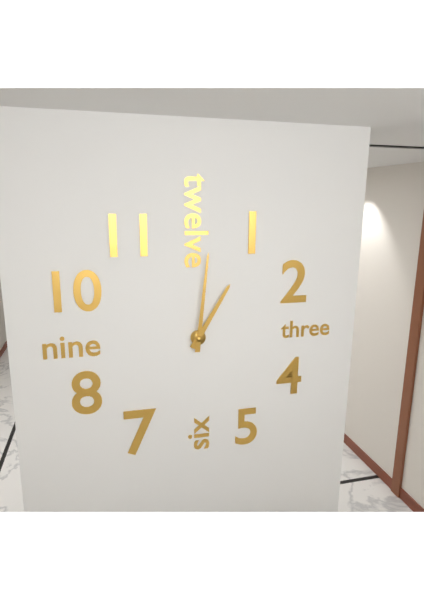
1:01
